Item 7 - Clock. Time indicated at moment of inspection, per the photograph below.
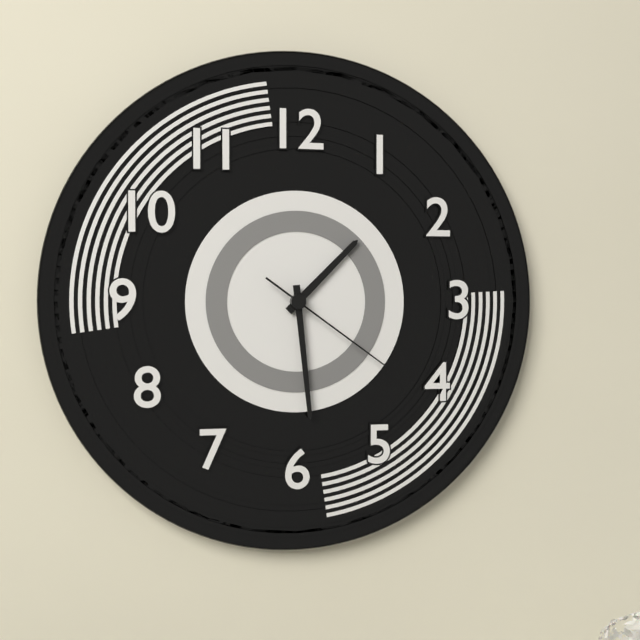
1:29:21
